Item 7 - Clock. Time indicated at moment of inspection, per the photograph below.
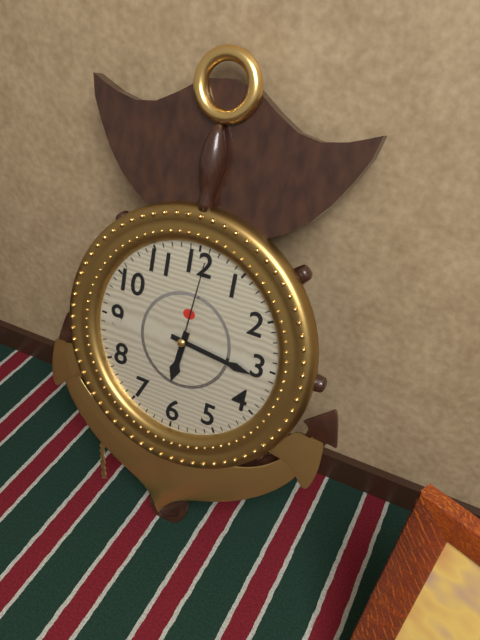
6:16:01
